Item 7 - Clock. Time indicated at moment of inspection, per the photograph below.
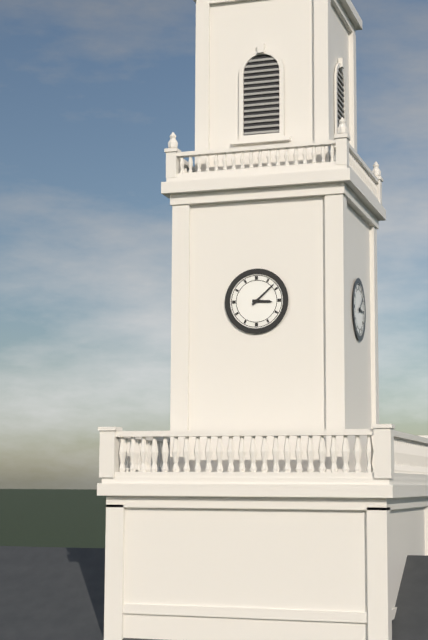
3:08
